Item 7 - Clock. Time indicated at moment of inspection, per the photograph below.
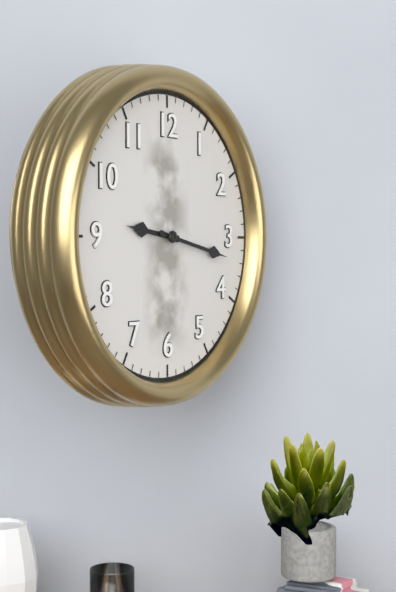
9:17
